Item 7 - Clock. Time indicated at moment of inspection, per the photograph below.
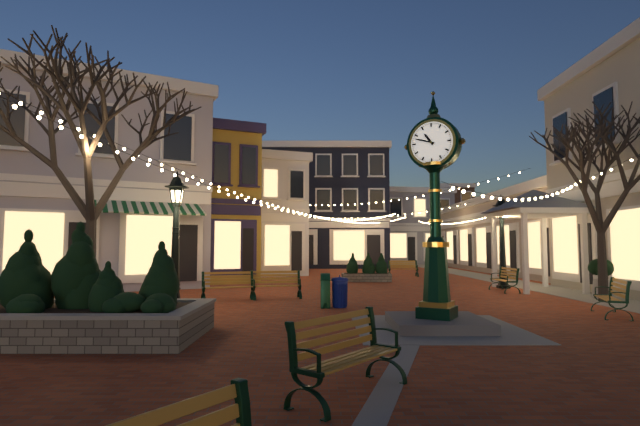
10:48
